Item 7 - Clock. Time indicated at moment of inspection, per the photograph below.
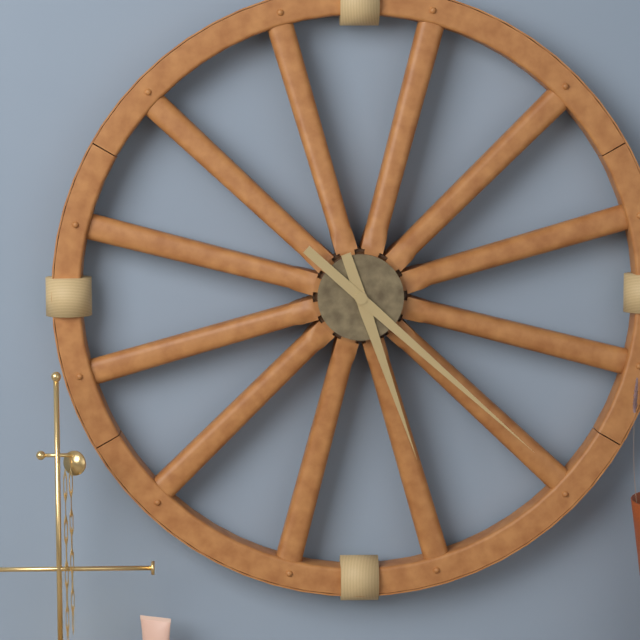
5:22
